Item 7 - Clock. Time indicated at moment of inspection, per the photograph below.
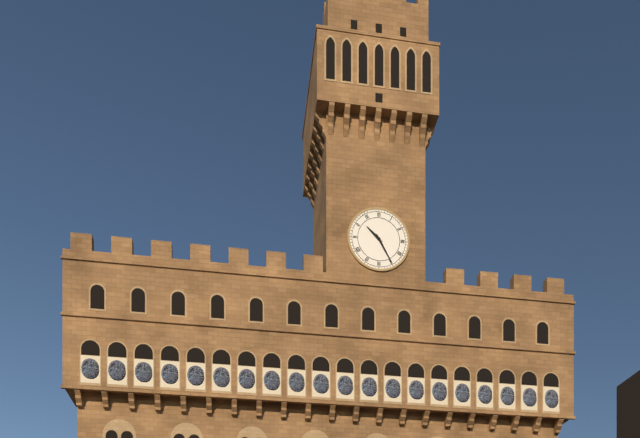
10:25
